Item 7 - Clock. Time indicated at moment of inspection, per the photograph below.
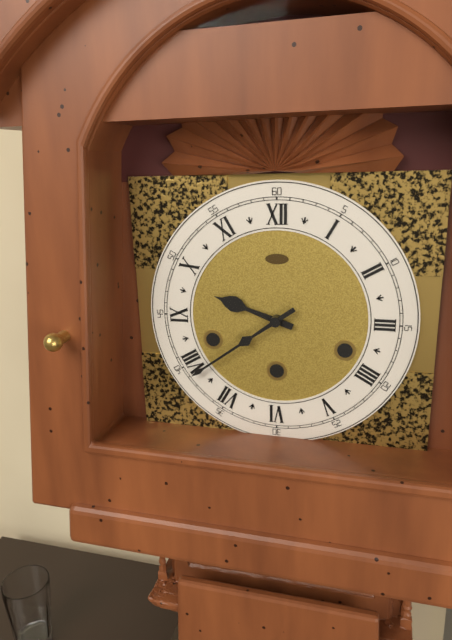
9:39
